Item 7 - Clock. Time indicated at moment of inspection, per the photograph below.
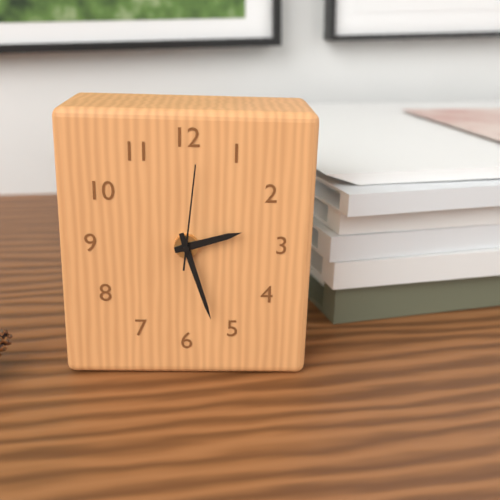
2:27:01
